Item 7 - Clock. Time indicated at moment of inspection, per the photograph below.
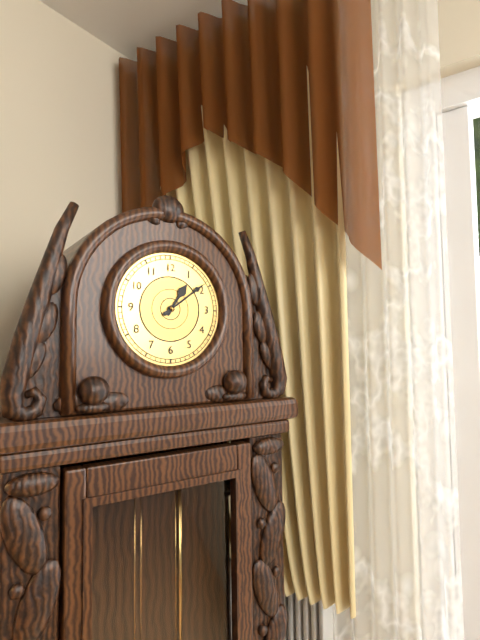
1:09
